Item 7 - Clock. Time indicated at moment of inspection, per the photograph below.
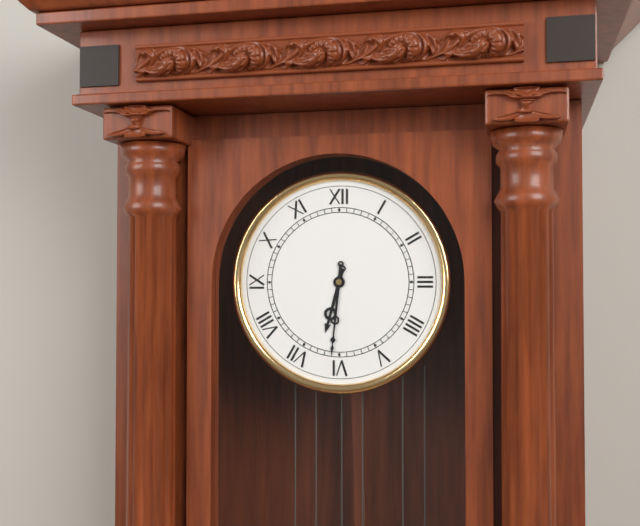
6:31
